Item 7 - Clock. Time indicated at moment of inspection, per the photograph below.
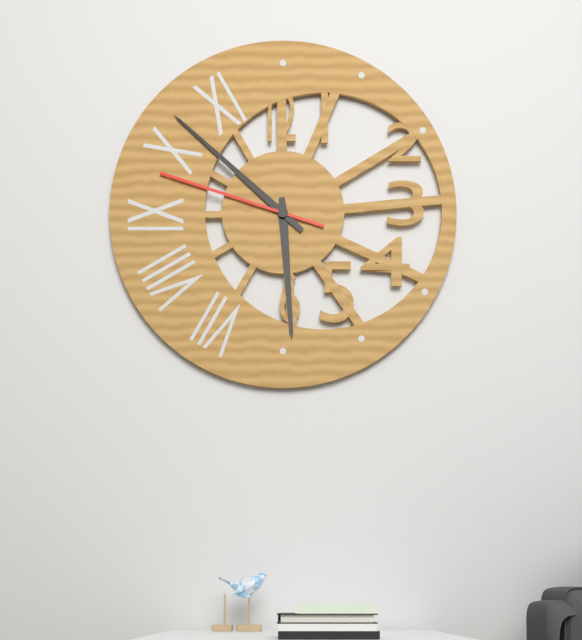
5:52:48
